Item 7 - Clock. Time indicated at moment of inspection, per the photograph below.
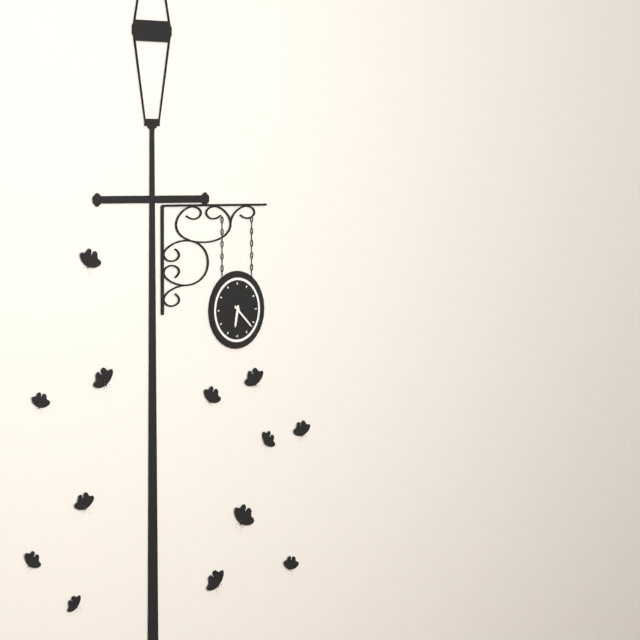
6:22
